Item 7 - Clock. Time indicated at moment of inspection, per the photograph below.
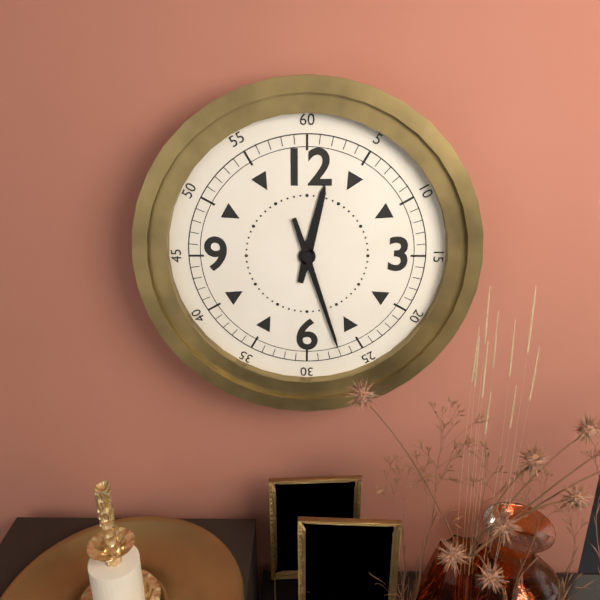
12:27
